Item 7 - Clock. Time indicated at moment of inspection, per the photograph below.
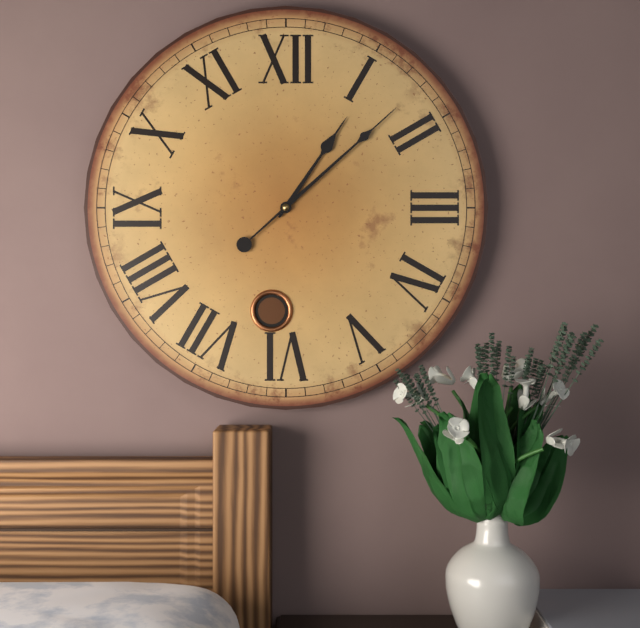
1:08
